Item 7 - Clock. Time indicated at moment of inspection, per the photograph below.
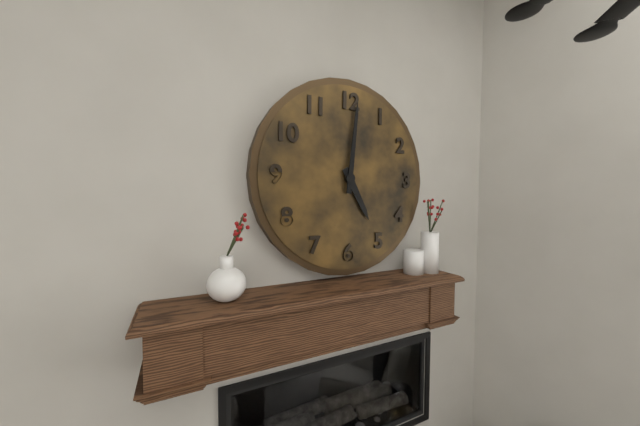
5:01
